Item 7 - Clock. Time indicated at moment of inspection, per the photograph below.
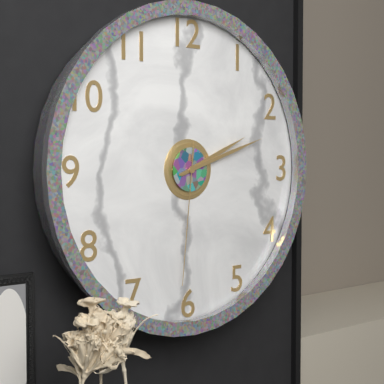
2:12:31
